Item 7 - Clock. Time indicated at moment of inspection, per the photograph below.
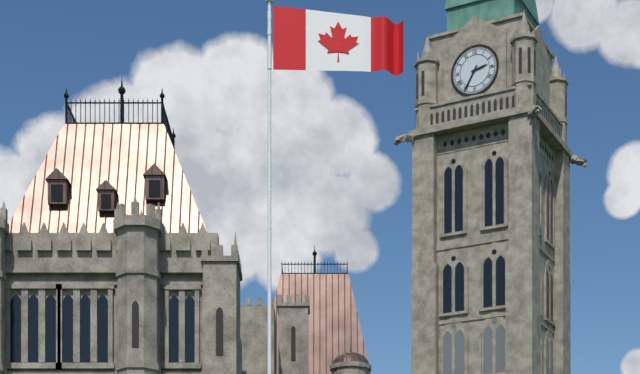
2:35
